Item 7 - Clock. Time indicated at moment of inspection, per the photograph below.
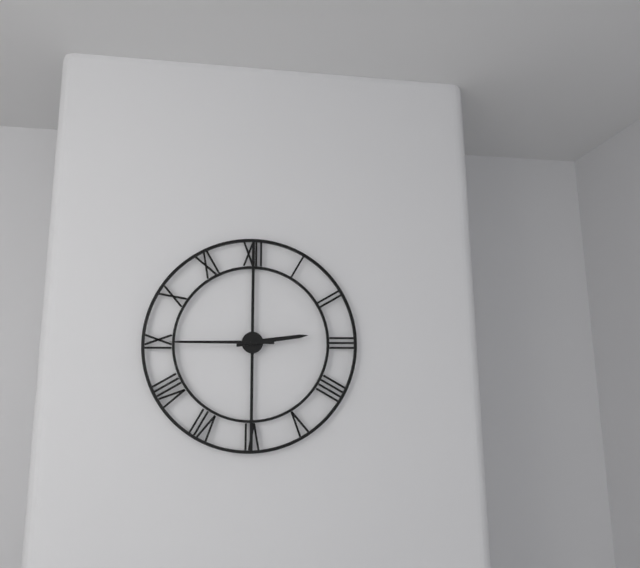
2:45
